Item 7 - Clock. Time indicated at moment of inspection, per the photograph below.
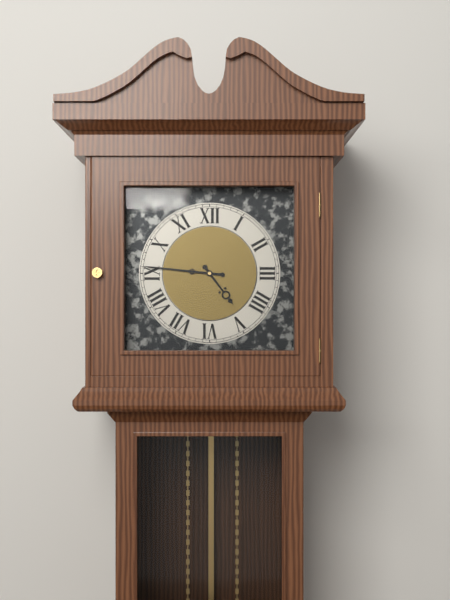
4:46
